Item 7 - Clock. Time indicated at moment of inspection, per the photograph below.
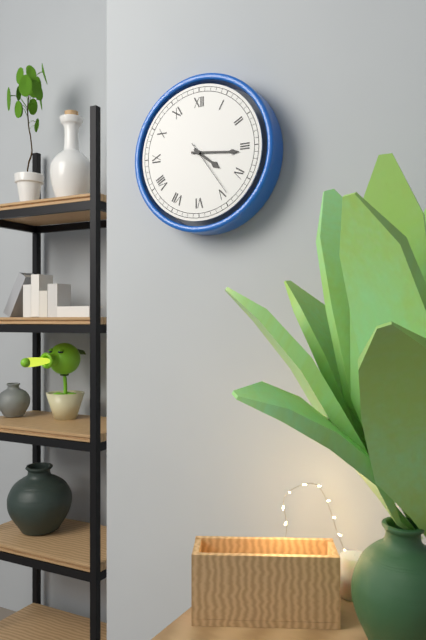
4:16:24
